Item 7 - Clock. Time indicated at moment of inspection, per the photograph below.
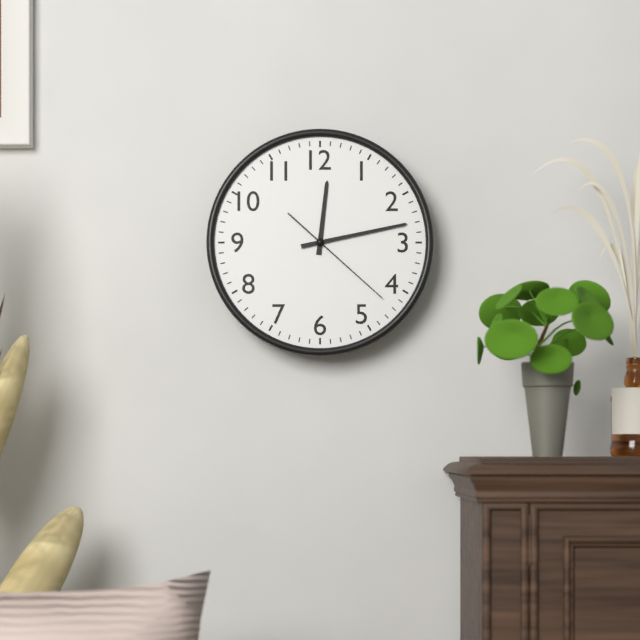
12:13:22
